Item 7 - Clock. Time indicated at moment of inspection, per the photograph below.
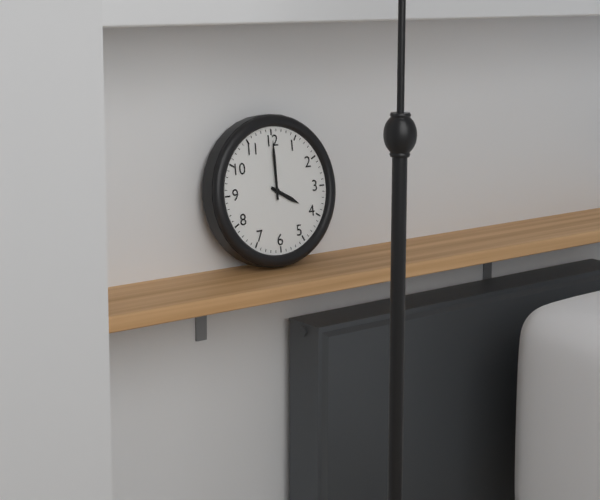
4:00
